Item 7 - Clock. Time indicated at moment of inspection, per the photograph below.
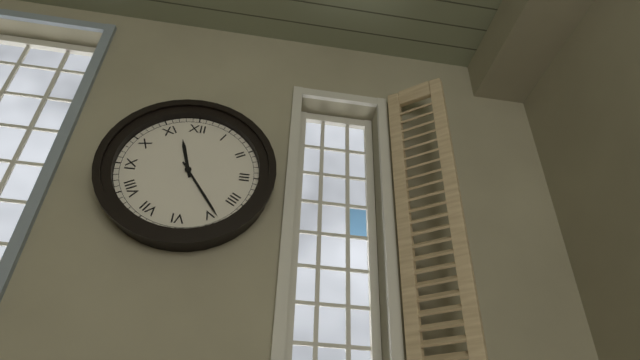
11:24
